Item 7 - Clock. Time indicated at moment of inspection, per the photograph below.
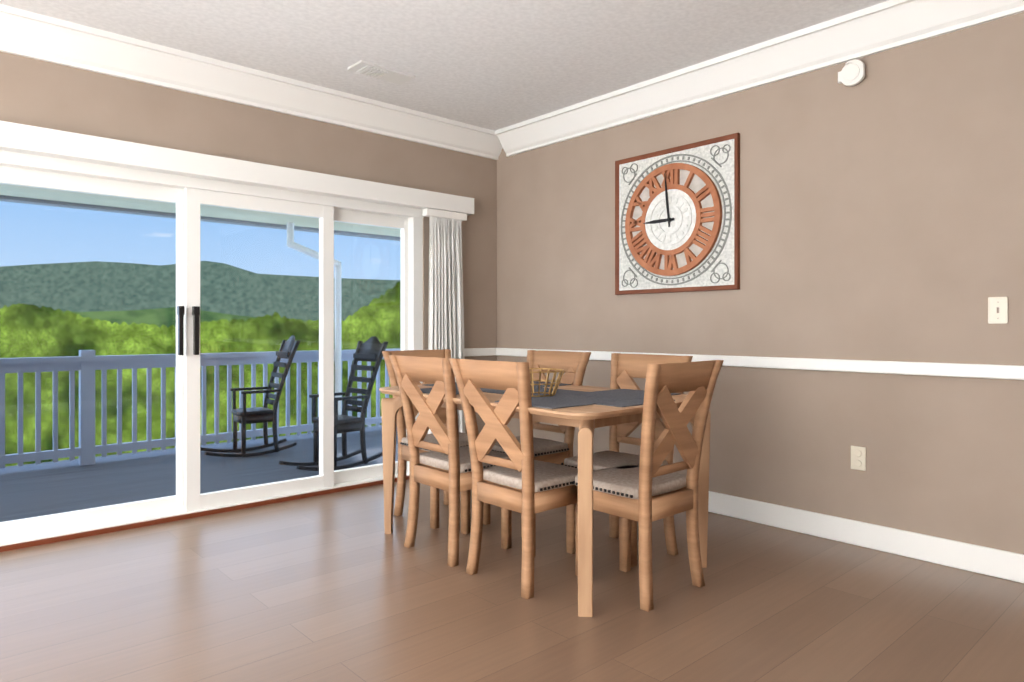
8:59
